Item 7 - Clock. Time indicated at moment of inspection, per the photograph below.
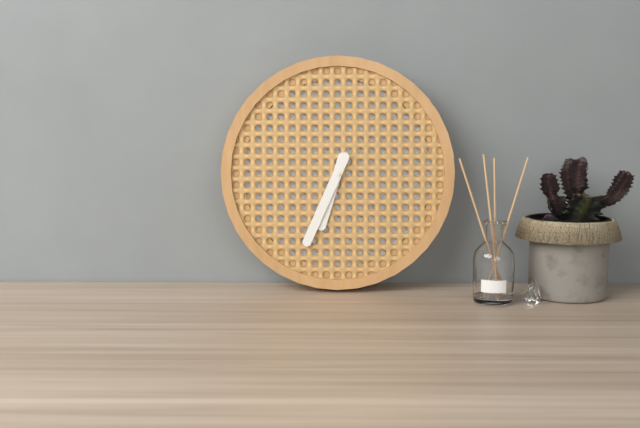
6:34
